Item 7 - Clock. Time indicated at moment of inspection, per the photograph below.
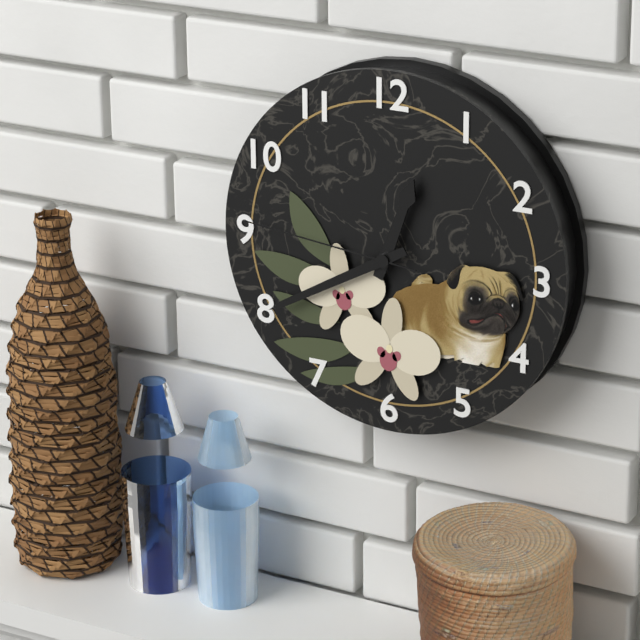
12:40:46
